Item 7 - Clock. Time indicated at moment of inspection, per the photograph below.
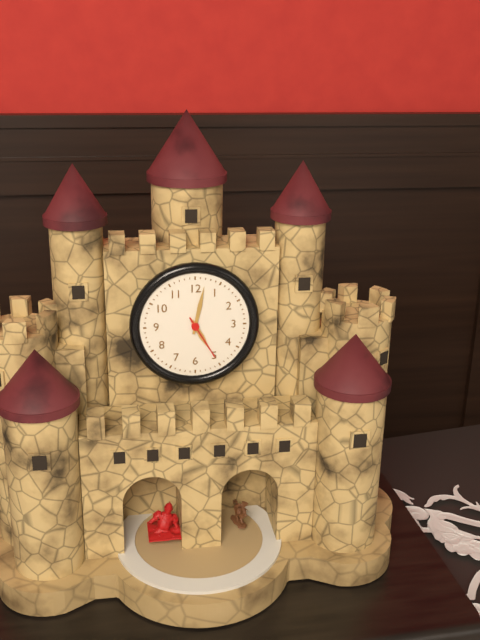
5:02
